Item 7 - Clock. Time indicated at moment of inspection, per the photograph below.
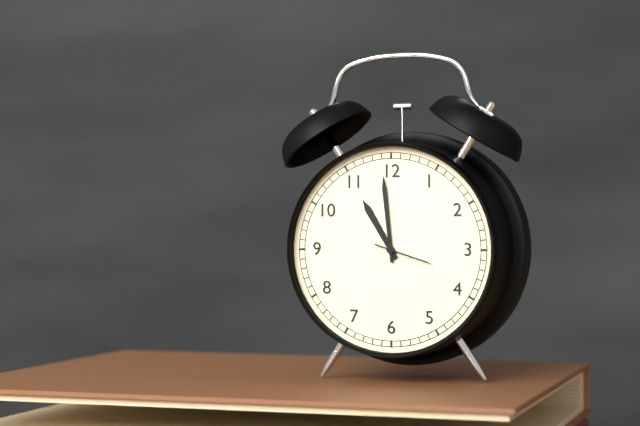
10:59:18
